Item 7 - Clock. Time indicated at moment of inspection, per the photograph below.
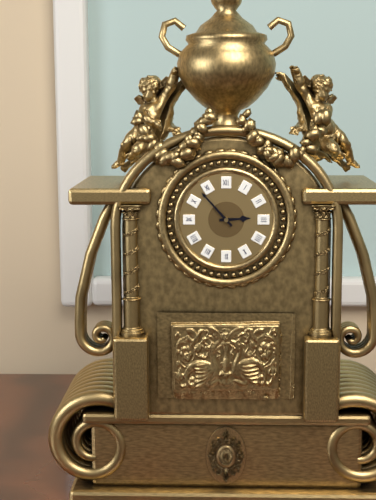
2:53
